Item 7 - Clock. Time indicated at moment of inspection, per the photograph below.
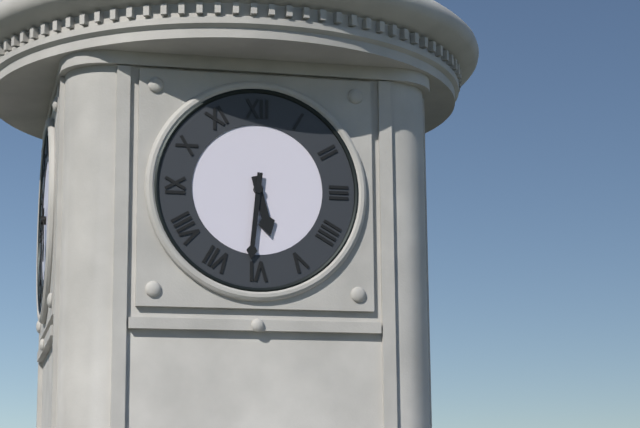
5:31
